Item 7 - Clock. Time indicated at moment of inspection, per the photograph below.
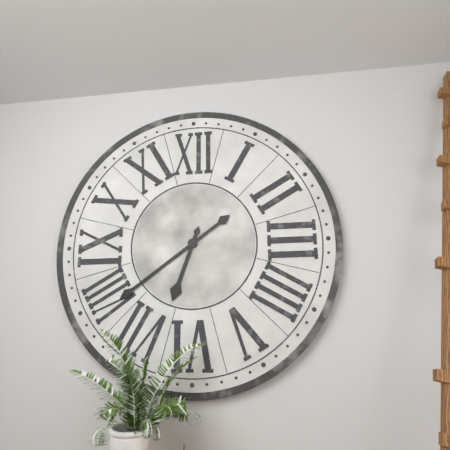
6:39
